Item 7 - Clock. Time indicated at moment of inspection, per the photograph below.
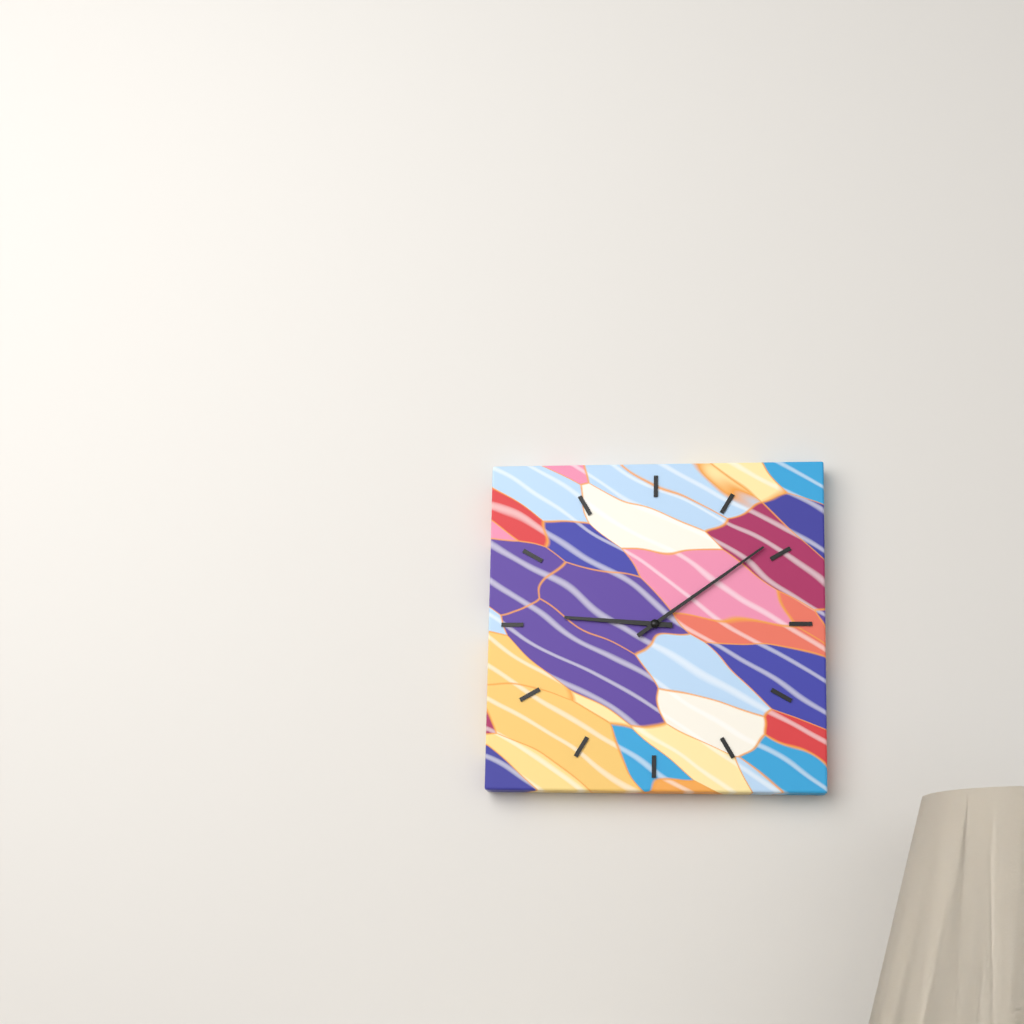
9:09
